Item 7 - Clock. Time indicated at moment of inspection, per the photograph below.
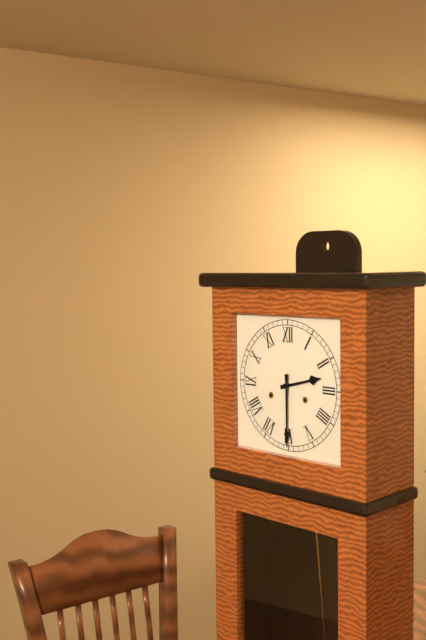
2:30
